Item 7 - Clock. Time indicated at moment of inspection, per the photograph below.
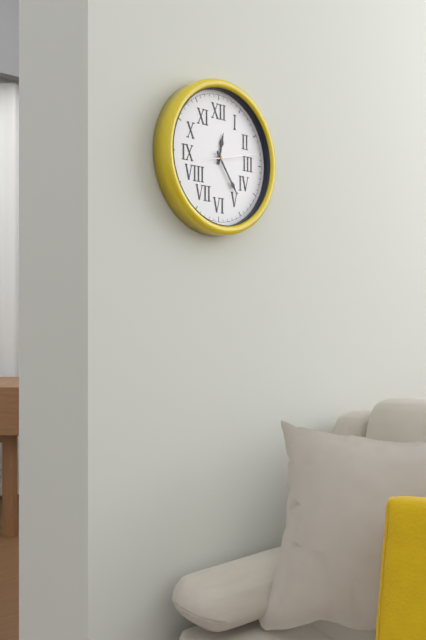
12:24:13
